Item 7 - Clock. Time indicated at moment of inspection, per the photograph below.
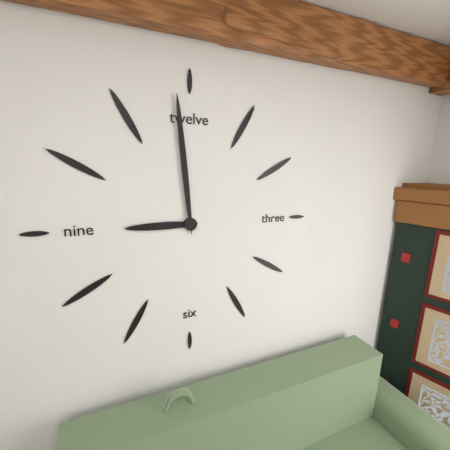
8:59
